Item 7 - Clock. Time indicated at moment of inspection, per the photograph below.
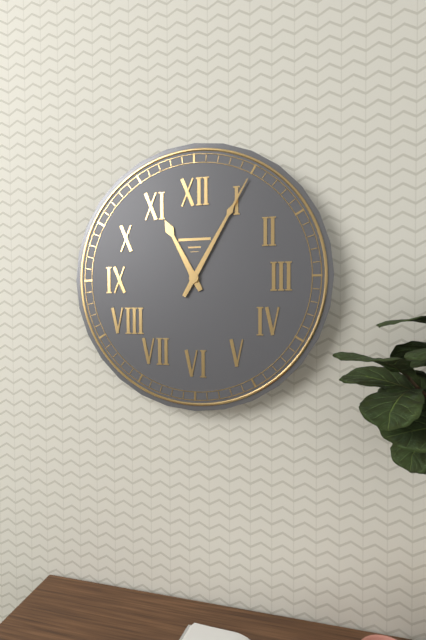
11:05
